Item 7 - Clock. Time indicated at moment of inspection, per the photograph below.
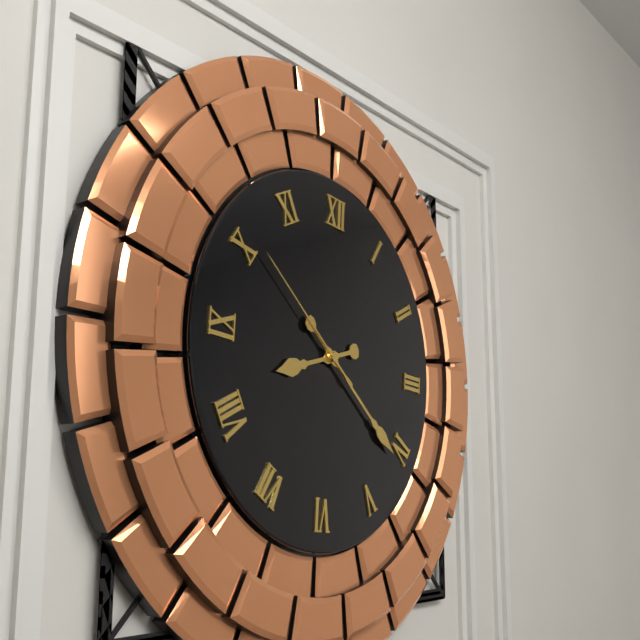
8:21:51
